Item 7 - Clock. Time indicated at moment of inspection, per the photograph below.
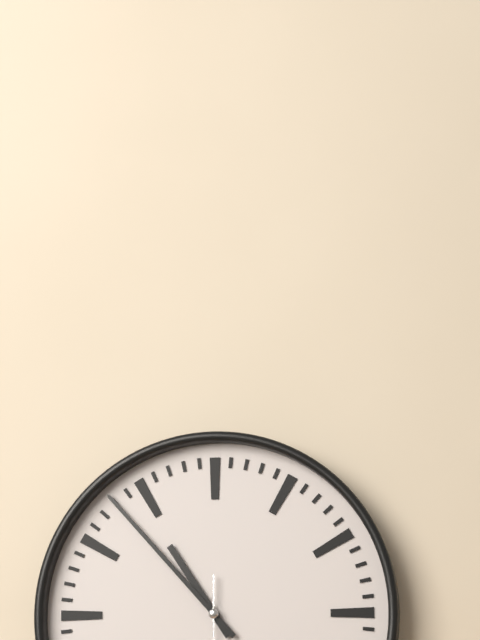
10:53
